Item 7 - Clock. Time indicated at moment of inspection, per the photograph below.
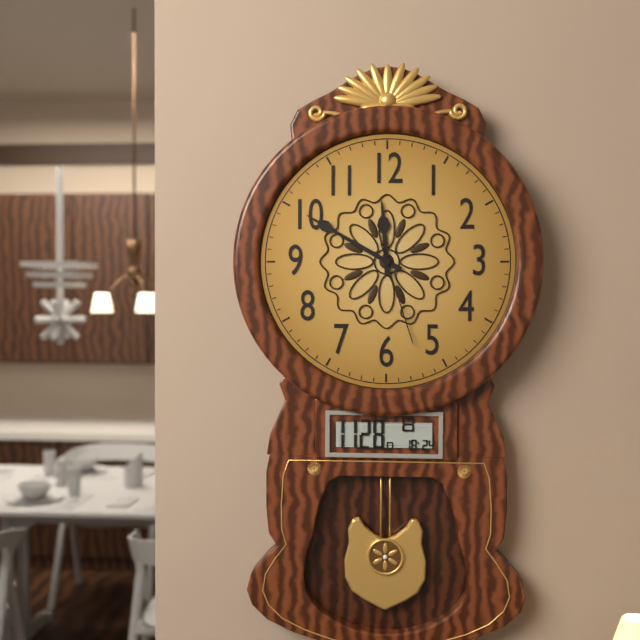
11:50:27
